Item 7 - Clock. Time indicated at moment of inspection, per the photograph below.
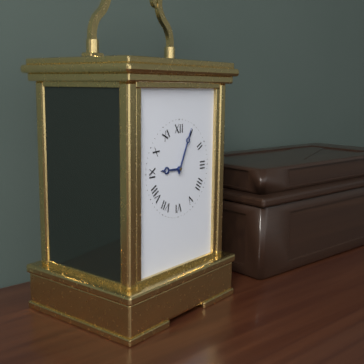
9:04
